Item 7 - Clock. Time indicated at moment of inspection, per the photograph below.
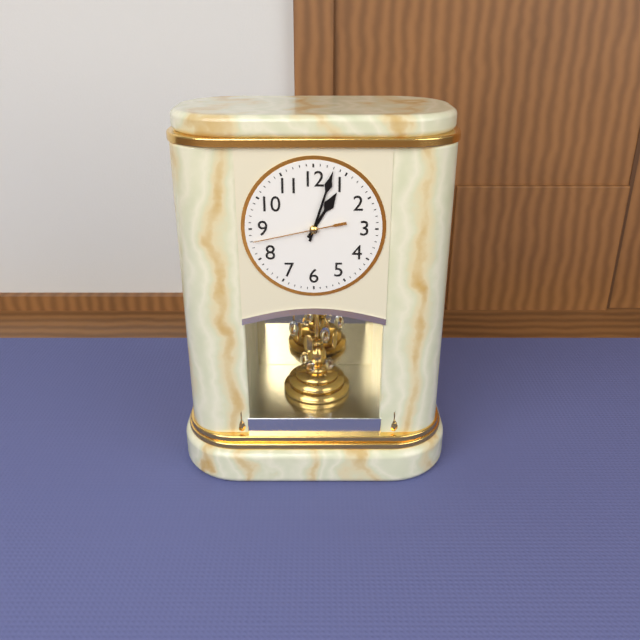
1:03:43
